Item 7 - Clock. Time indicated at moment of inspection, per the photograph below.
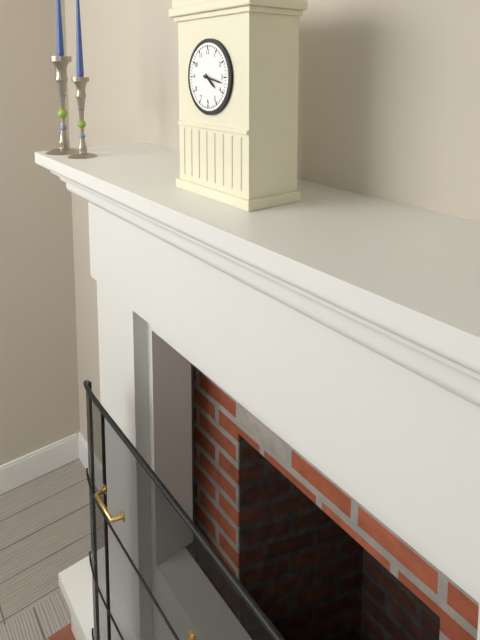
4:17
